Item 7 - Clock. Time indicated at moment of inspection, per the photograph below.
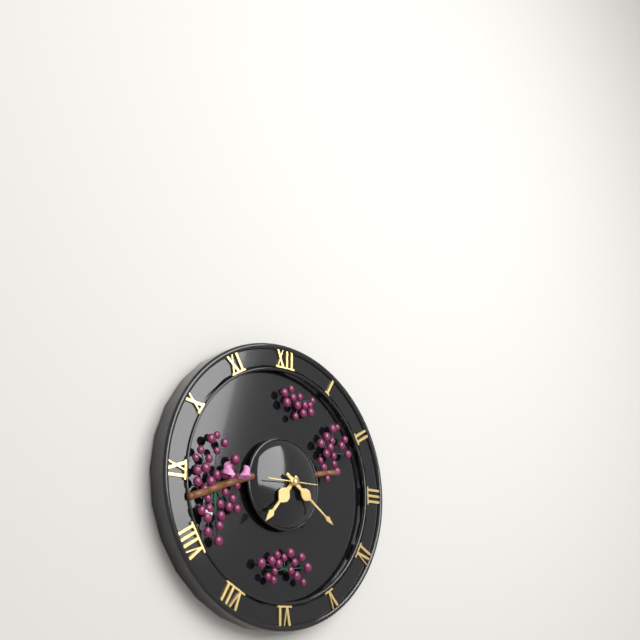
7:21
